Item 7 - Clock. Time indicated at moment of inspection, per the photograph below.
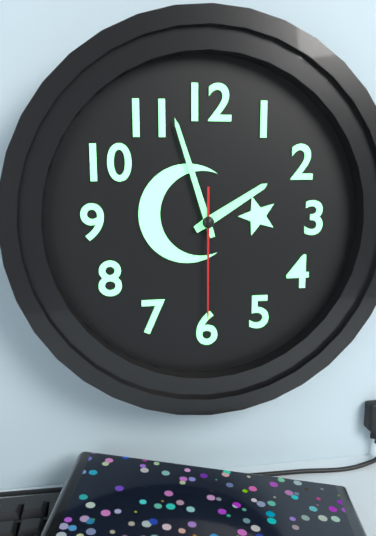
1:57:30
